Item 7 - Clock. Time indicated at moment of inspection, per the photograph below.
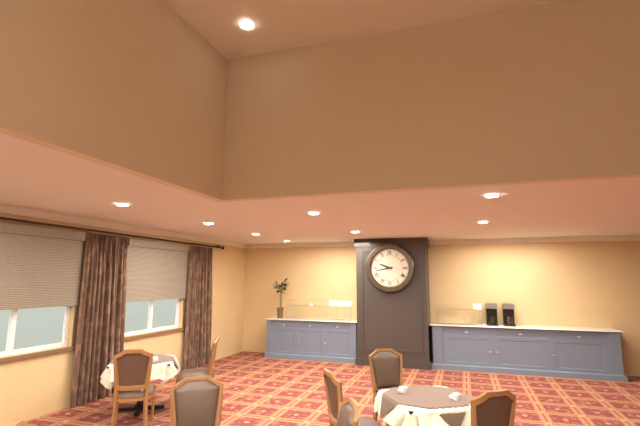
9:43
